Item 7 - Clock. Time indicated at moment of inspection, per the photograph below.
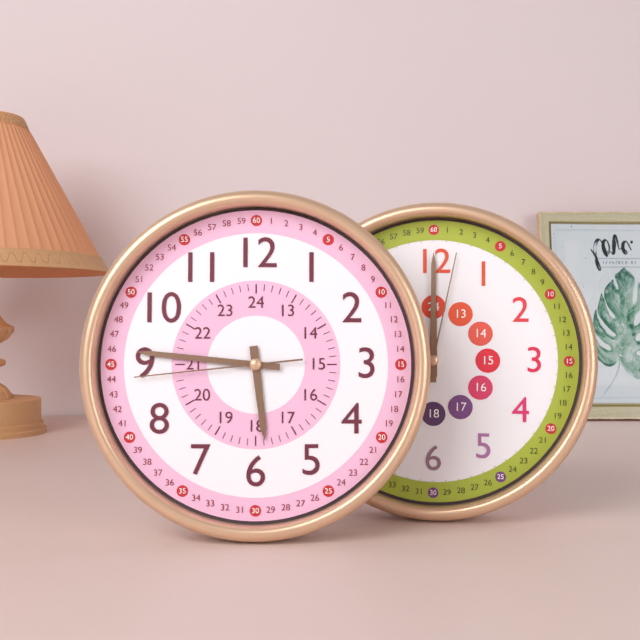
5:46:44
